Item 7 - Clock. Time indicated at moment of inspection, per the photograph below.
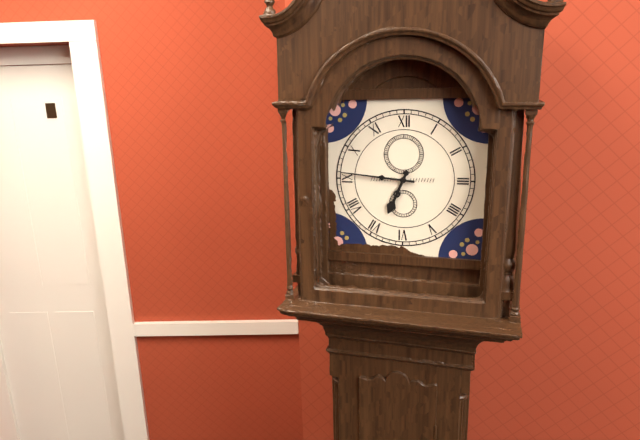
6:46
